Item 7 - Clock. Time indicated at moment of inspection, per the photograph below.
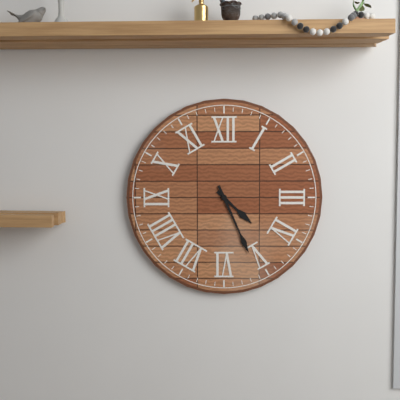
4:26
